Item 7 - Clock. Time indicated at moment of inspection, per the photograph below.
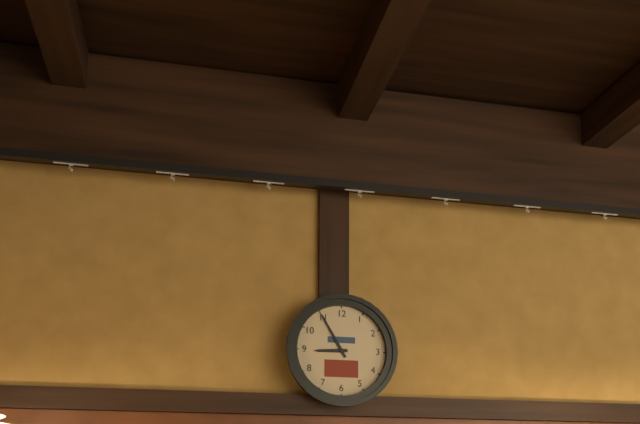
8:55
